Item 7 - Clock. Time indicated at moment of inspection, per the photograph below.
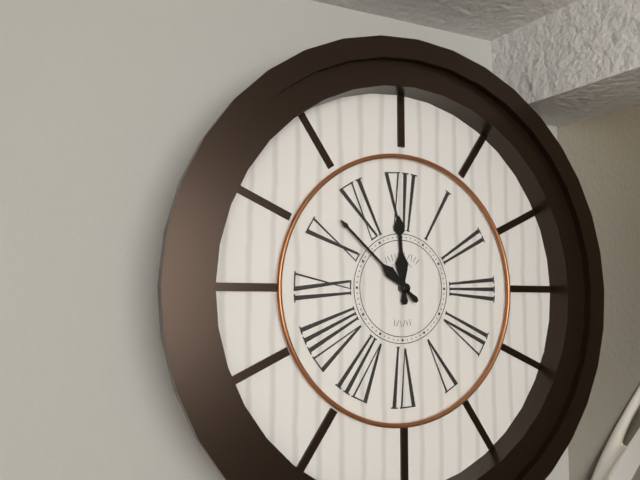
11:52
